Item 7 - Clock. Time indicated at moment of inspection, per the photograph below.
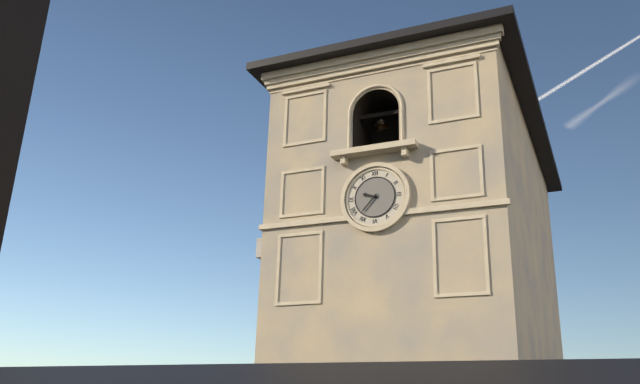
9:37
